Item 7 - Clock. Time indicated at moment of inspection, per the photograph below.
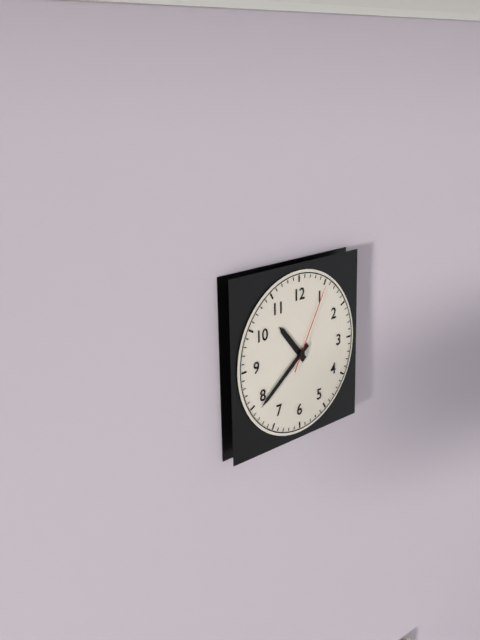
10:39:05
